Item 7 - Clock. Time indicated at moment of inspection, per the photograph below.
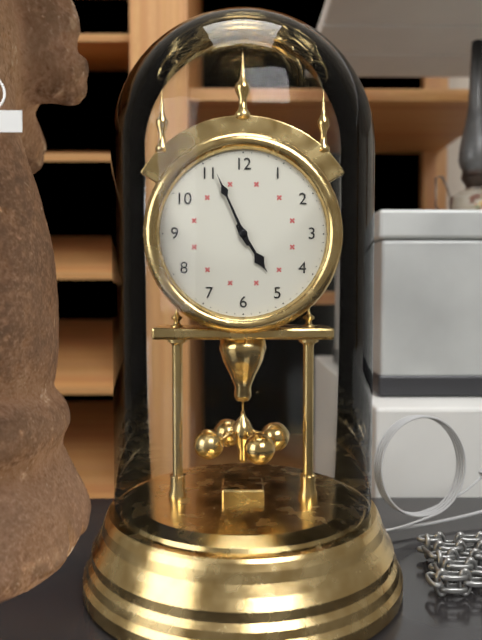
4:56
